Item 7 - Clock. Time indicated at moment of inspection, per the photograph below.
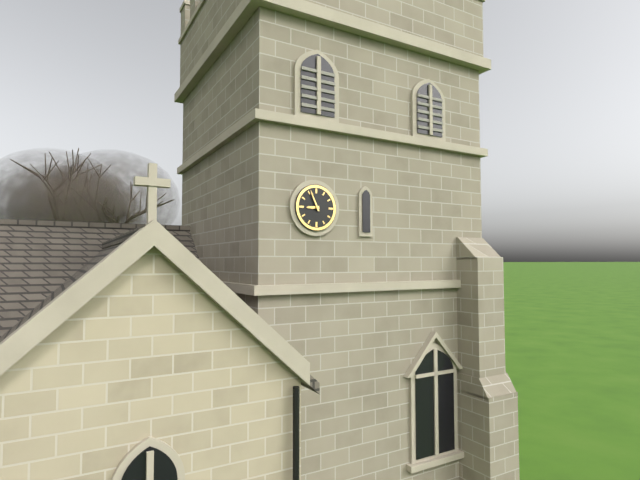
8:56
